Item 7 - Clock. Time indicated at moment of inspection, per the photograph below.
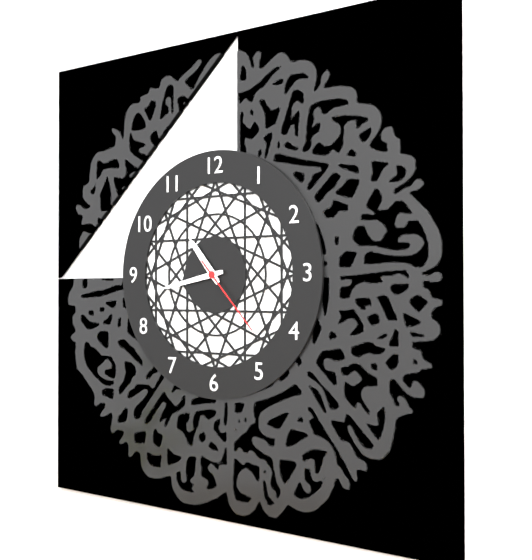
10:43:23
